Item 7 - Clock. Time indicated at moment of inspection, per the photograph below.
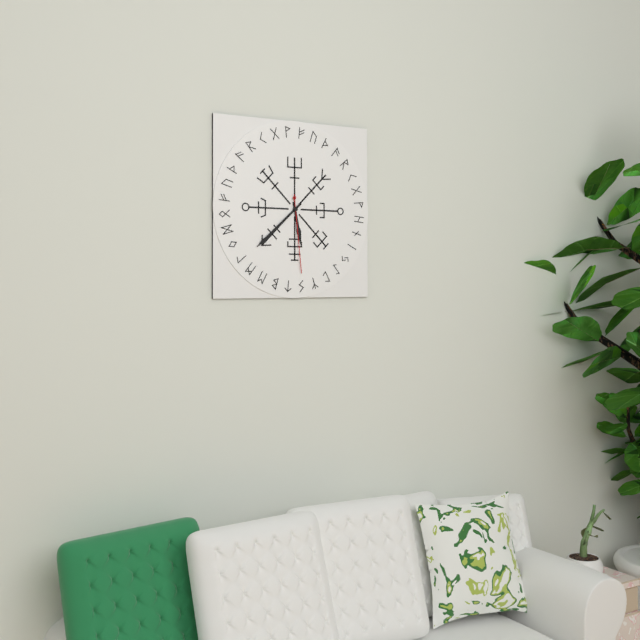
5:38:29
